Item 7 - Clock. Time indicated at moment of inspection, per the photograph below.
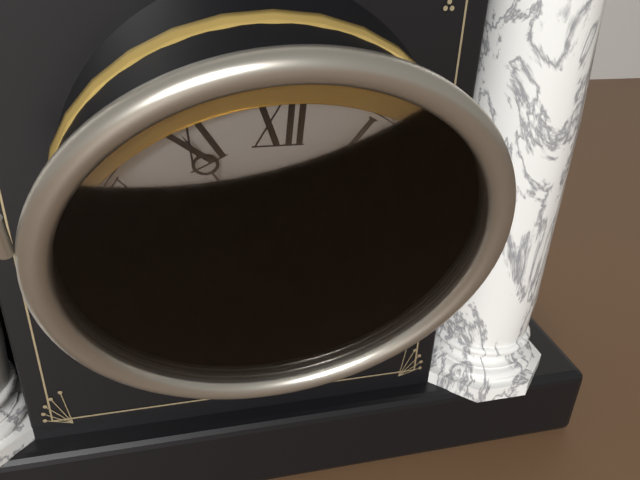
12:55
